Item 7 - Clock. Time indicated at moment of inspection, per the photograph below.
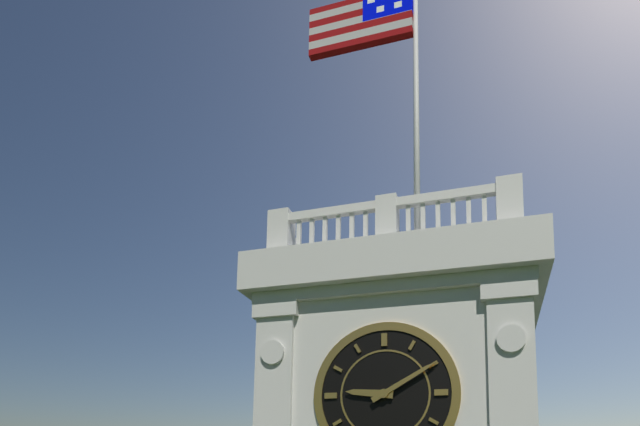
9:10
